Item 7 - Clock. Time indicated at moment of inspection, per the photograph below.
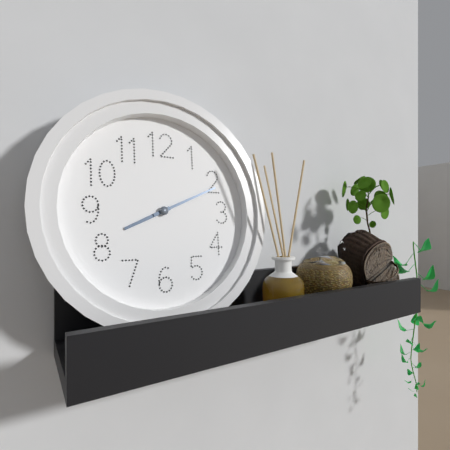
8:11
